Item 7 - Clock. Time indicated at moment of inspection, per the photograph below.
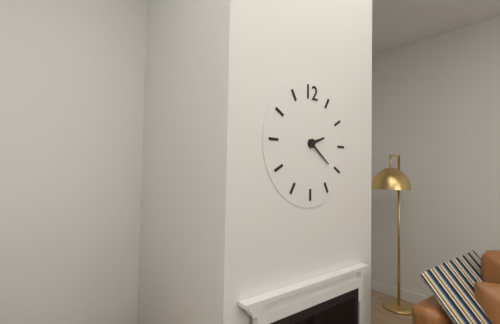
2:21
